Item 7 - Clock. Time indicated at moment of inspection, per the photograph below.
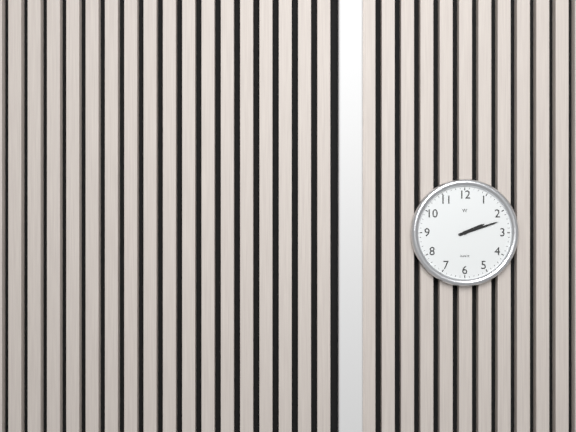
2:12
